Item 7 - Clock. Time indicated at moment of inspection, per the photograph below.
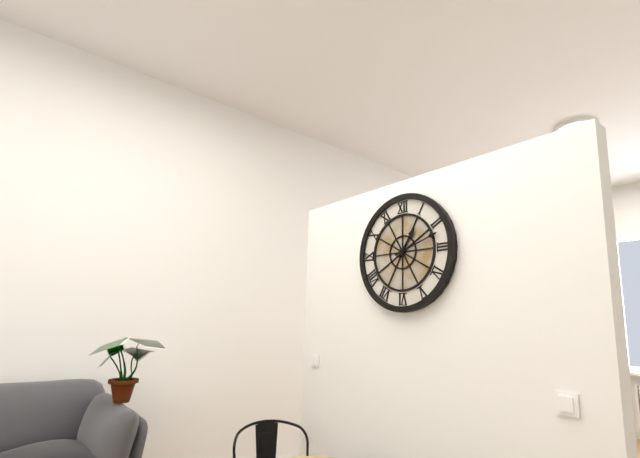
1:12
